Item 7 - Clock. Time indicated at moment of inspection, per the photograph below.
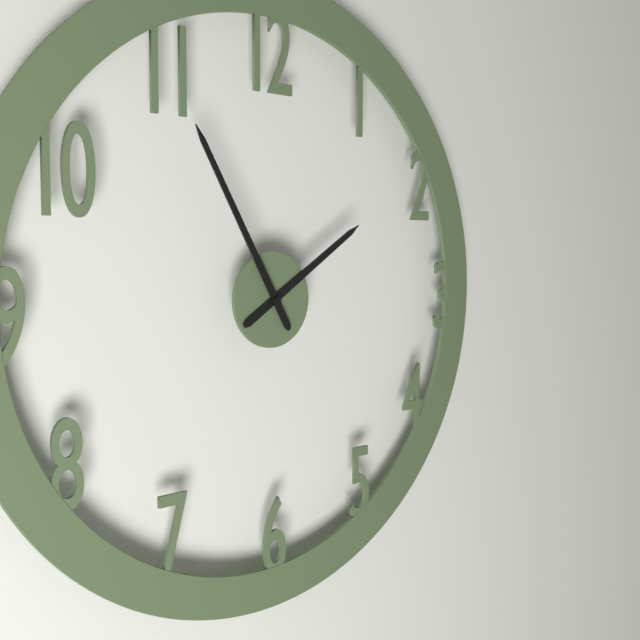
1:55
